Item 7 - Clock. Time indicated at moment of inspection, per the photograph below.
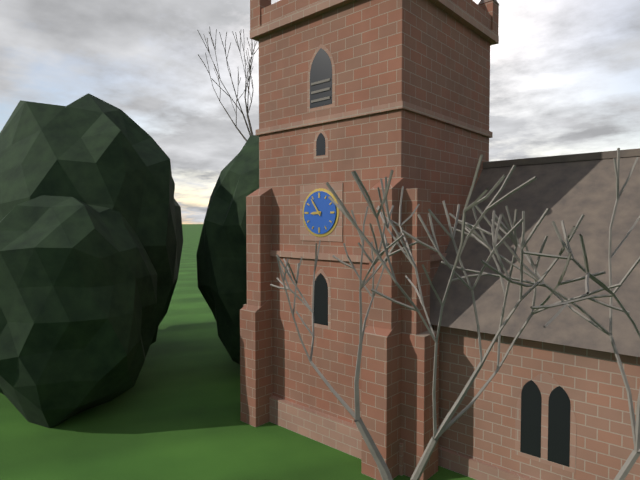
8:54
